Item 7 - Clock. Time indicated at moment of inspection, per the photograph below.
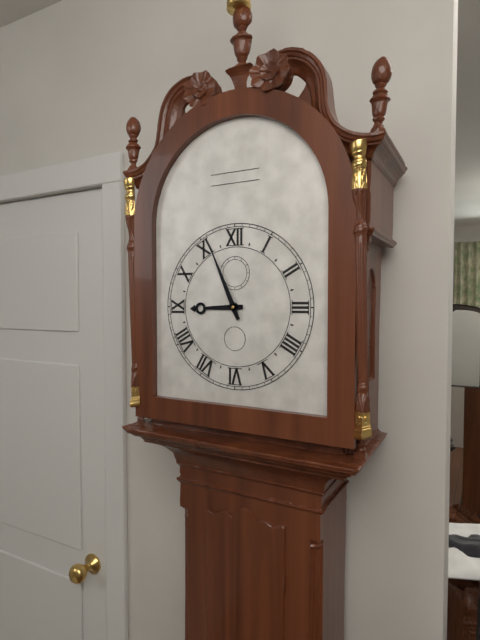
8:56
